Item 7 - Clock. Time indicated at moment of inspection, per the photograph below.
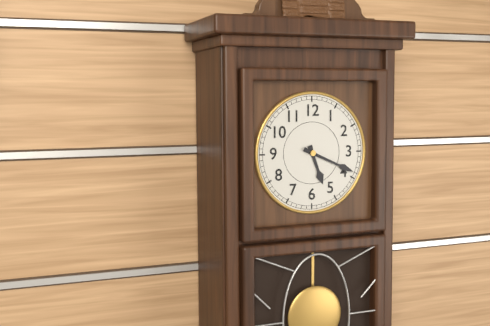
5:19
